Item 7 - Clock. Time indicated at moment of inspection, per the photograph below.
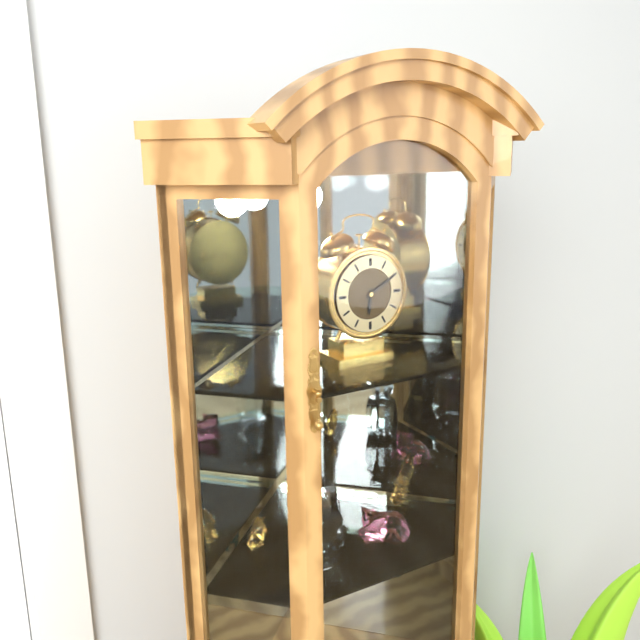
6:10
